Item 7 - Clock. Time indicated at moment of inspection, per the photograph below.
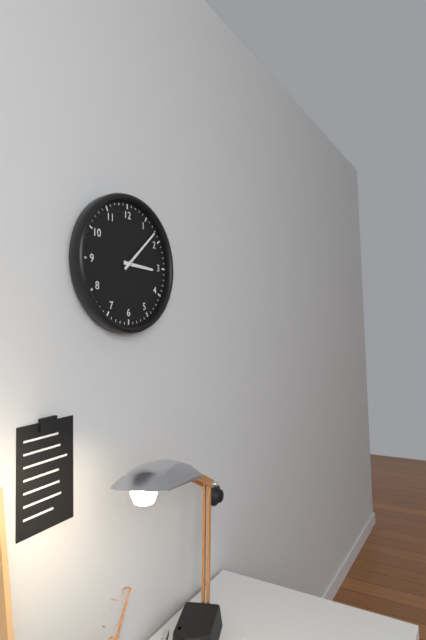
3:08
